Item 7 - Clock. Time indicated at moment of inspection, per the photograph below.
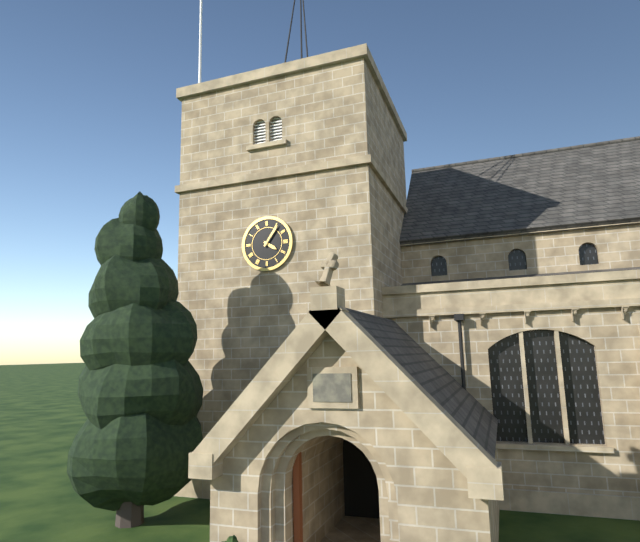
4:06
